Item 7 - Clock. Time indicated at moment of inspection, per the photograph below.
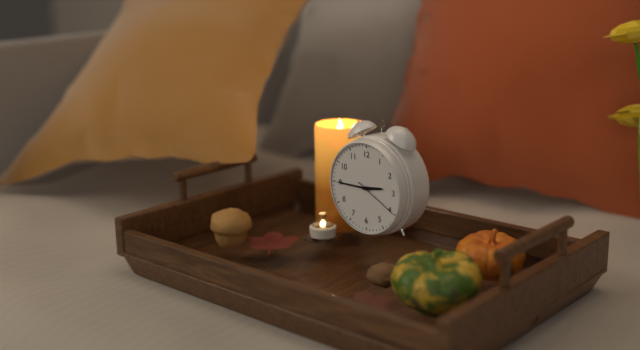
2:45
